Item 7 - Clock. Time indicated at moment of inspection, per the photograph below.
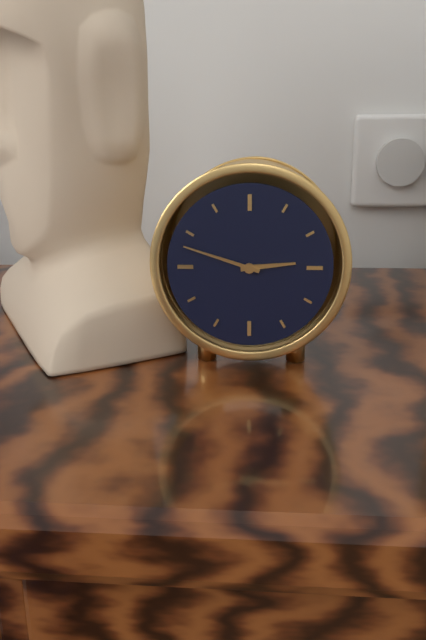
2:48
